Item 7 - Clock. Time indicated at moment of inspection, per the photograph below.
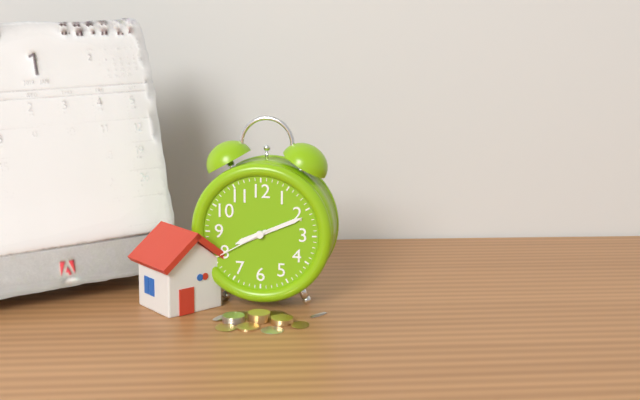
8:11:40
